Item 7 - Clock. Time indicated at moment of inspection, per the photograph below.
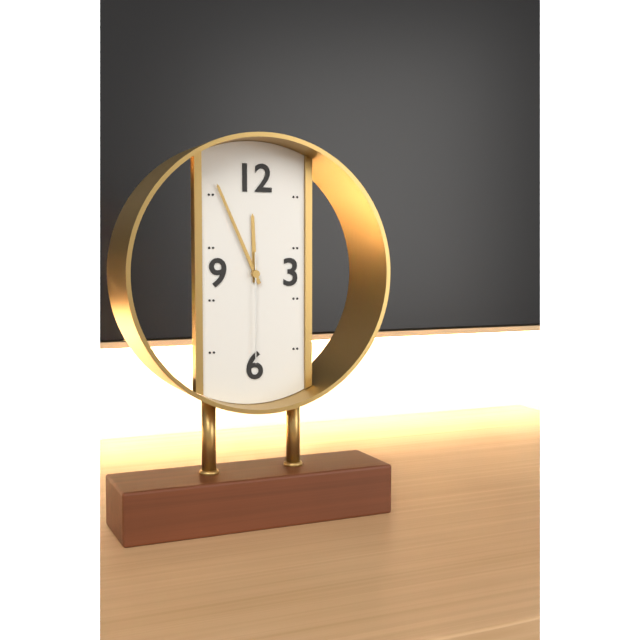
11:56:30
